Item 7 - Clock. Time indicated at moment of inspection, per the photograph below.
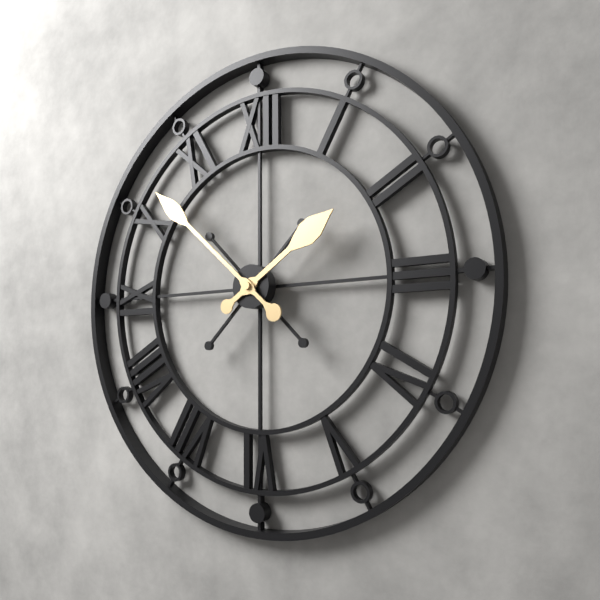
1:52
